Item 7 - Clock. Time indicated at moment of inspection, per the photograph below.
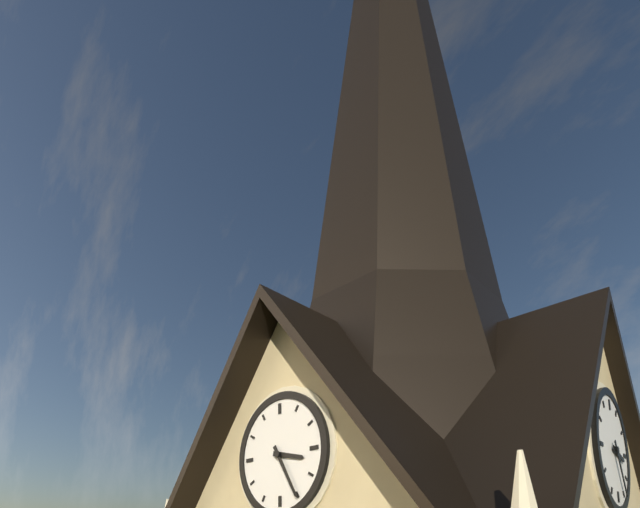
3:25
